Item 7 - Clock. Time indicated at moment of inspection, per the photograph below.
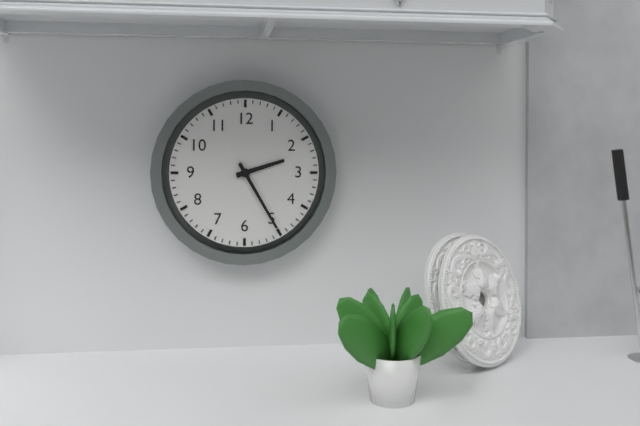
2:25
